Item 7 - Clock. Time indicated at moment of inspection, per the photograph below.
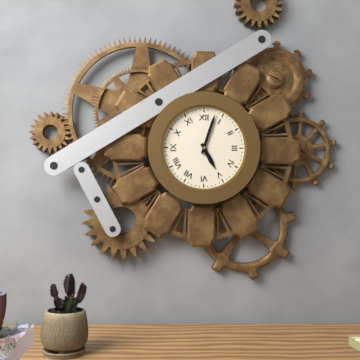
5:03
